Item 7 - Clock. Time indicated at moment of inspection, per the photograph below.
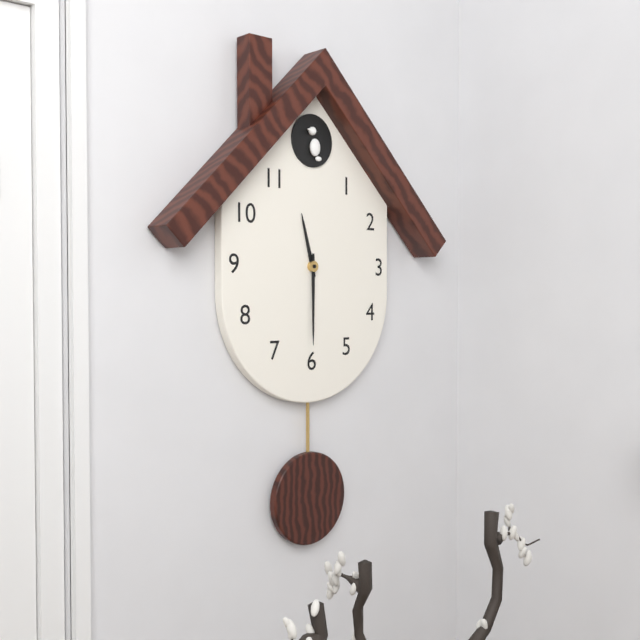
11:30
